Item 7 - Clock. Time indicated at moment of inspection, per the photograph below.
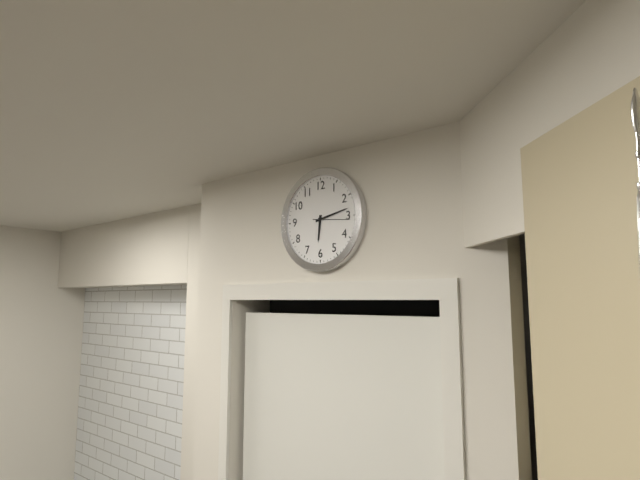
6:13
